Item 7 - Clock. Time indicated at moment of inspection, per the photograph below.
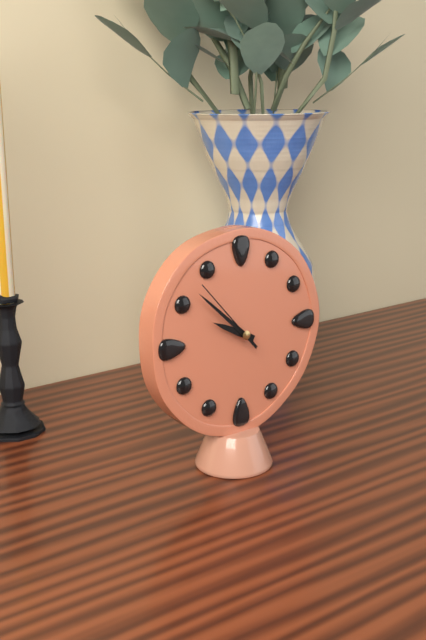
9:52:53
